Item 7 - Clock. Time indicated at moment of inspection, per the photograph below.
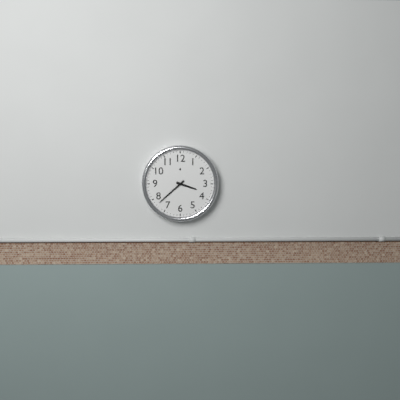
3:38
